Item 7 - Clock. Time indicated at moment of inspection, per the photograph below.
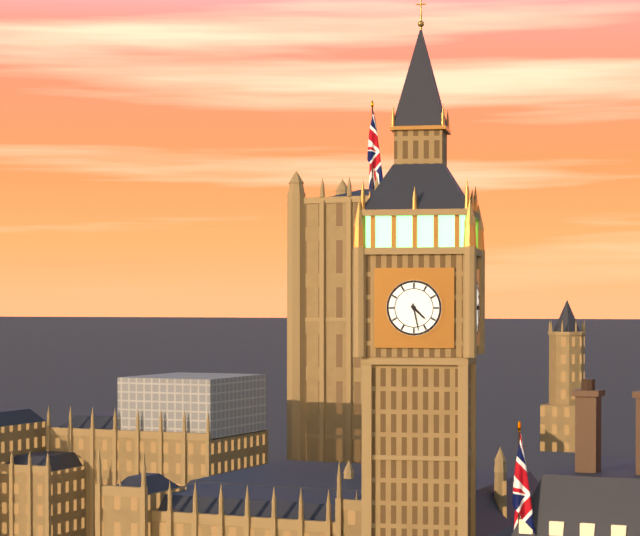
4:28
